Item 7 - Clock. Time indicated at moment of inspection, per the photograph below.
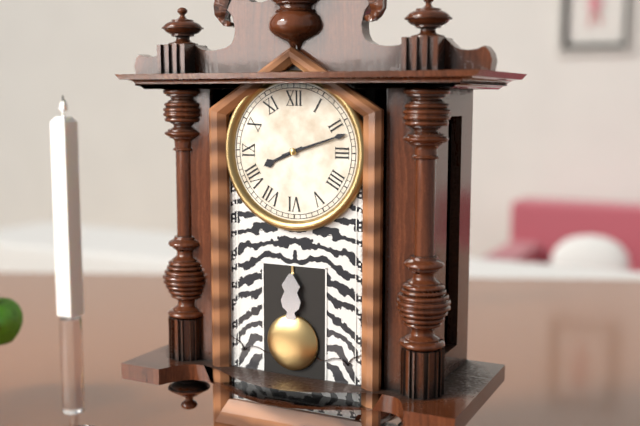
8:12
